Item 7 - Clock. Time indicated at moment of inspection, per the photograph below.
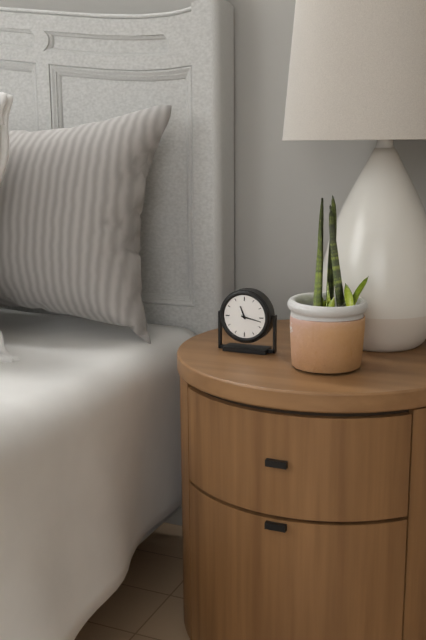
11:17
